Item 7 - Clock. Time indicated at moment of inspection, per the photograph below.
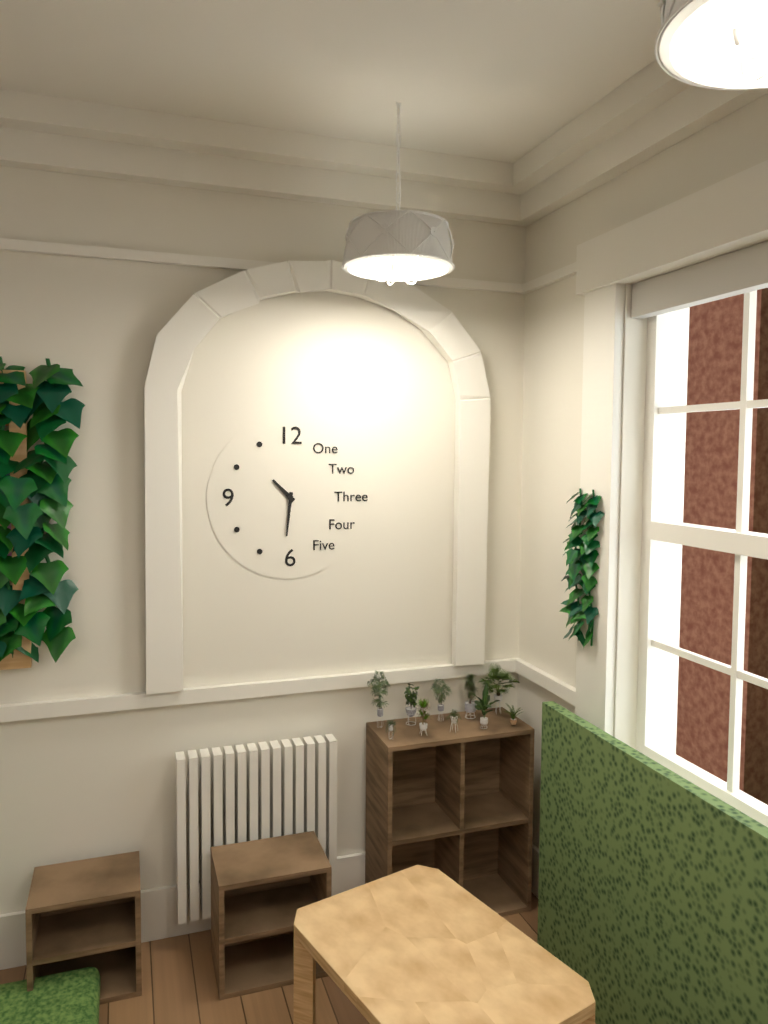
10:31
